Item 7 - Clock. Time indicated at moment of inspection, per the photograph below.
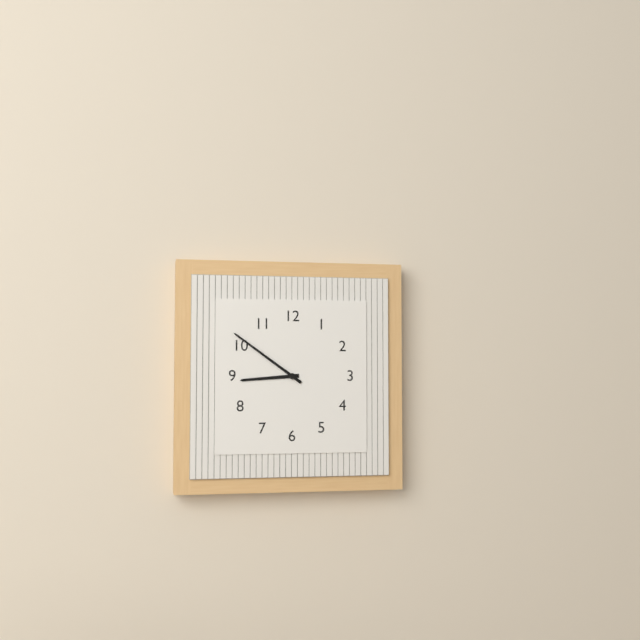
8:51
